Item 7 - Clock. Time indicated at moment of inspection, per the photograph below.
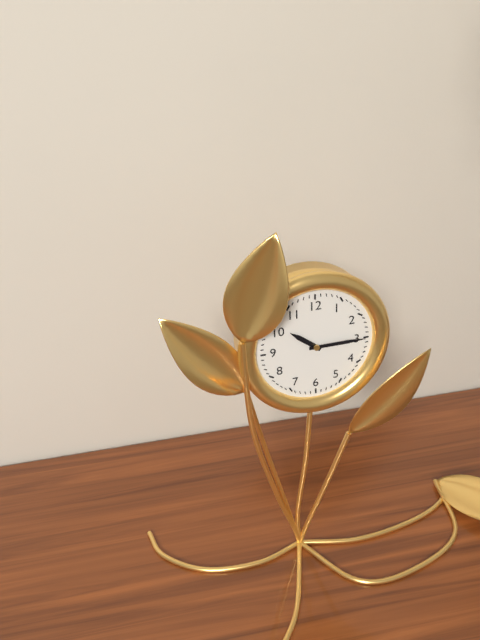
10:15
